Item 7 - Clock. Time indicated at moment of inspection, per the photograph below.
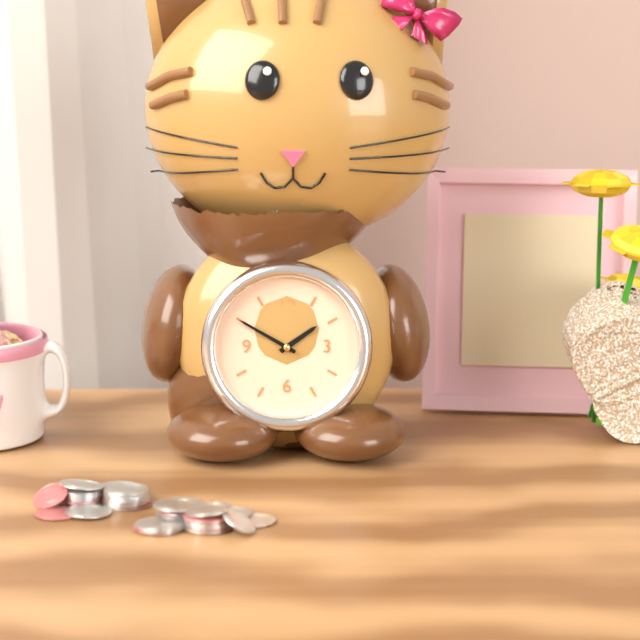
1:50
